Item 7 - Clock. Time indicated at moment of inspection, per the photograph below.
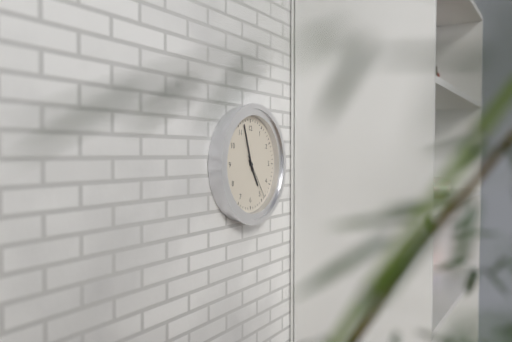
4:57
